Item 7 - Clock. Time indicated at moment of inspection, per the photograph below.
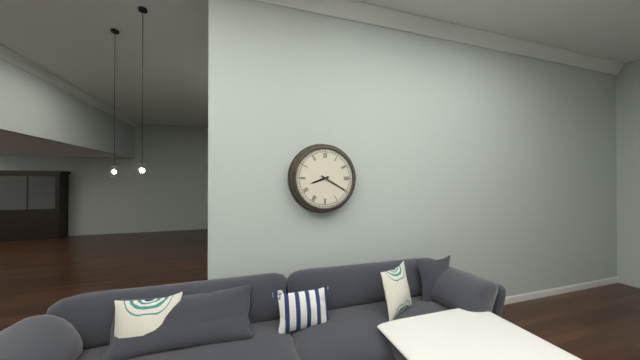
8:20
